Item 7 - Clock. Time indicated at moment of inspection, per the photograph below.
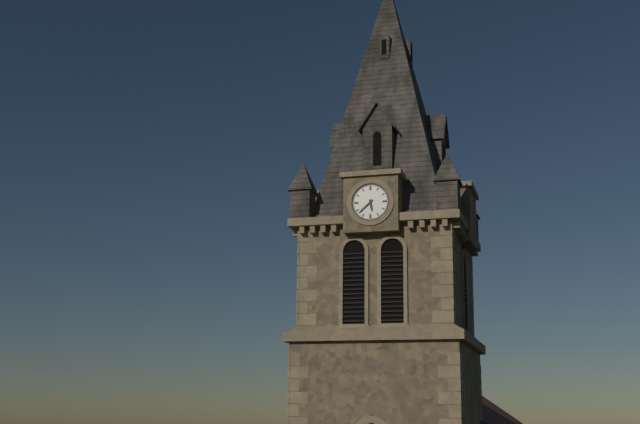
5:38
